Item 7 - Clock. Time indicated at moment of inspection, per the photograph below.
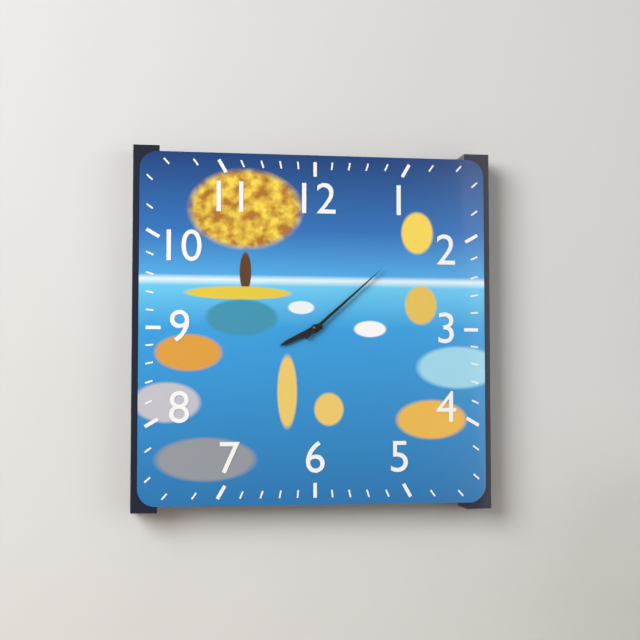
8:08
